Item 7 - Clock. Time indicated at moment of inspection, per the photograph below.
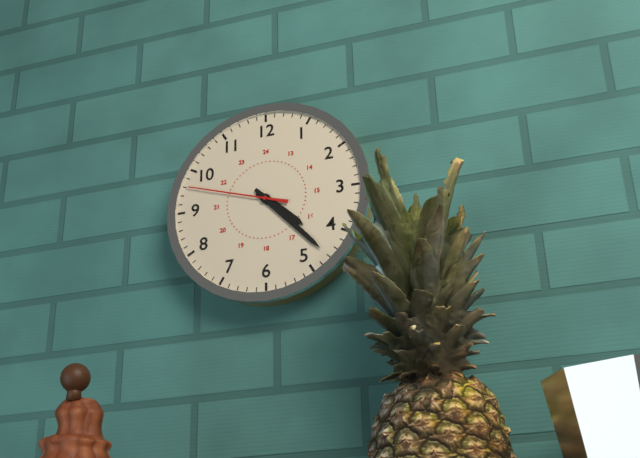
4:23:48
